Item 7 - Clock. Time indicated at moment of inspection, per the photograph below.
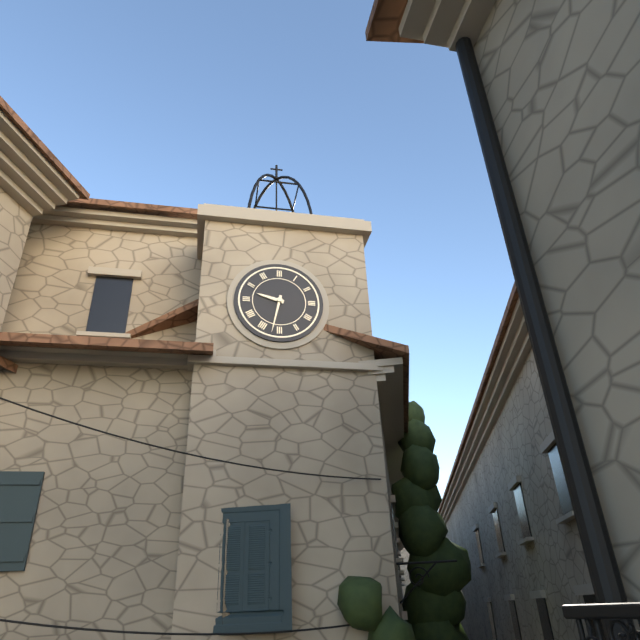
9:32
